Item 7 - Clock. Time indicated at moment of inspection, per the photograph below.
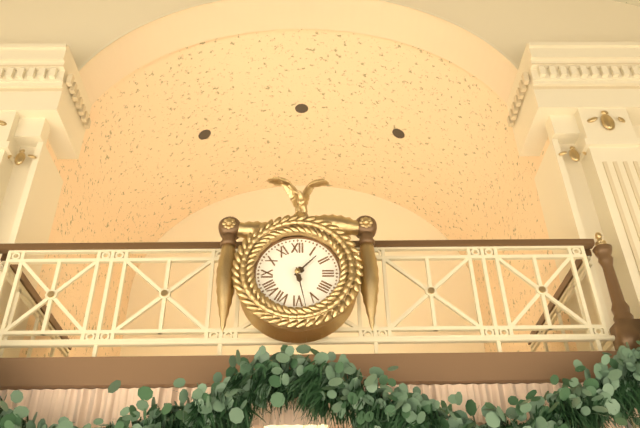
1:28
